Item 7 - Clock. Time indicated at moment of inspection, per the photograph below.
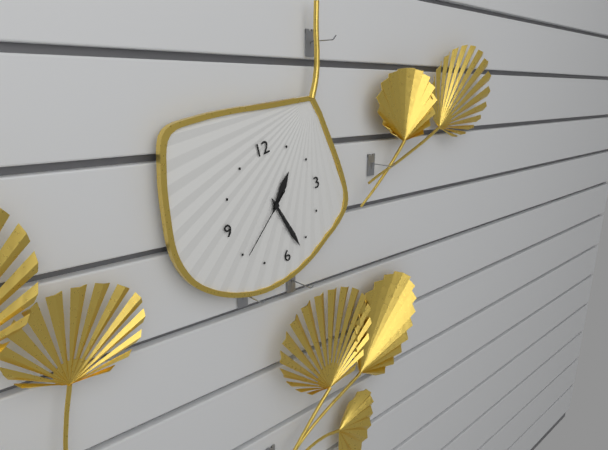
1:27:39
